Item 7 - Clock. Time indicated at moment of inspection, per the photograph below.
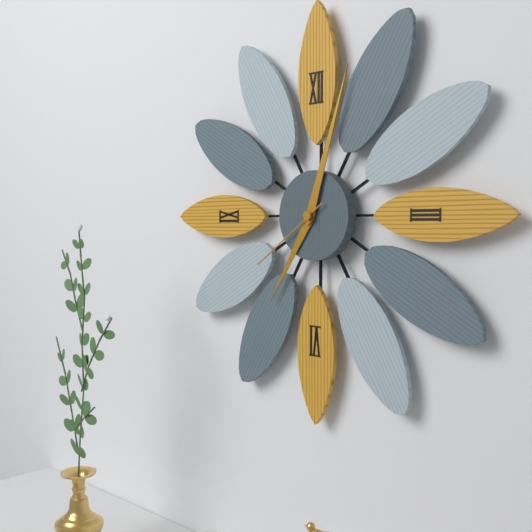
7:03:39
